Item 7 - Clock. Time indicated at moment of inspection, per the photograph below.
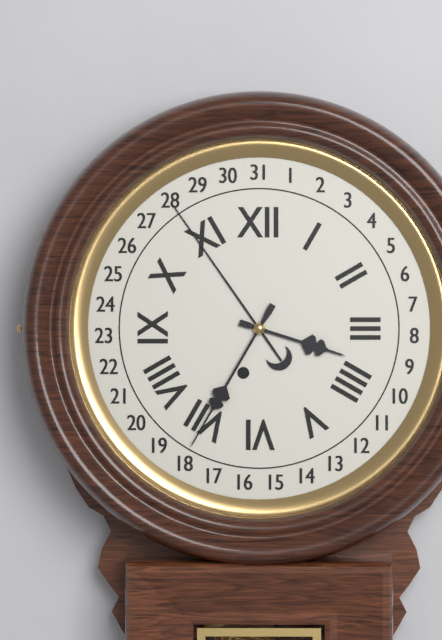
3:35
